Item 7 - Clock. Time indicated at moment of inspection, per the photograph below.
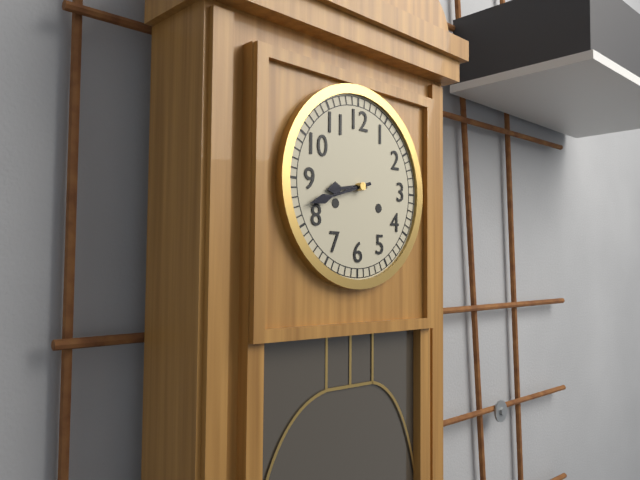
8:42
